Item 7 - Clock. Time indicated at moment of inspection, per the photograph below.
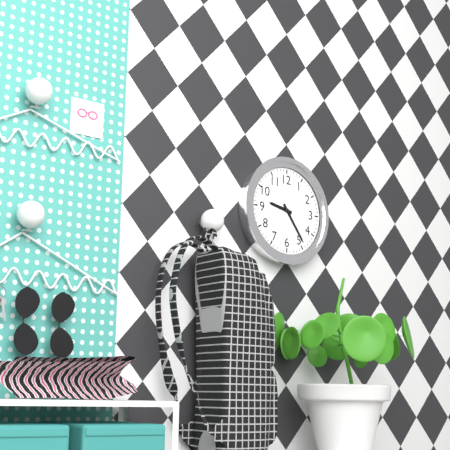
9:24
